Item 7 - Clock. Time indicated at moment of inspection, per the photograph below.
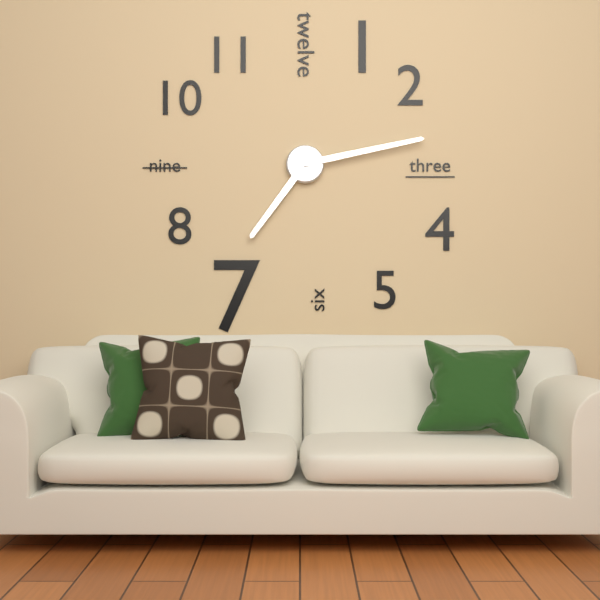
7:13
